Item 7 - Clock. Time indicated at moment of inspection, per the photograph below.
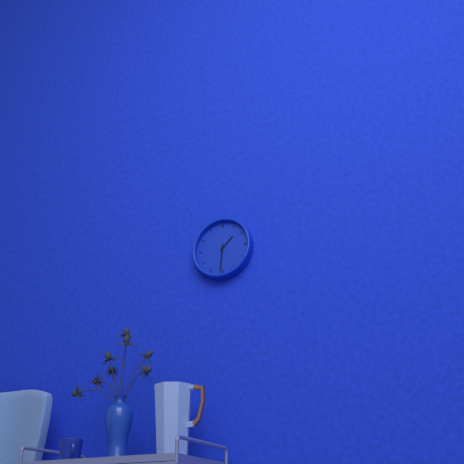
1:31
